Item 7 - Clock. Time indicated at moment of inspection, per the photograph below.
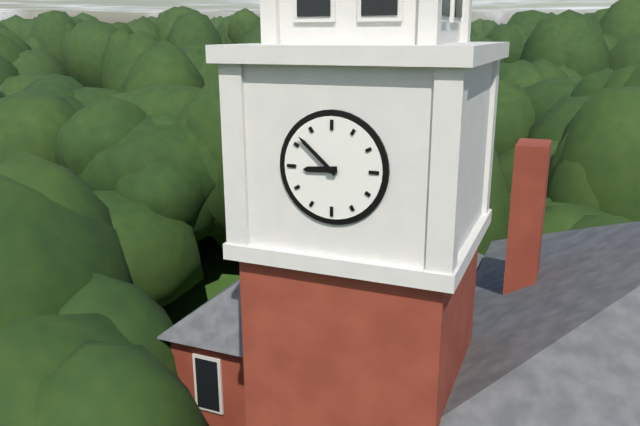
8:52
